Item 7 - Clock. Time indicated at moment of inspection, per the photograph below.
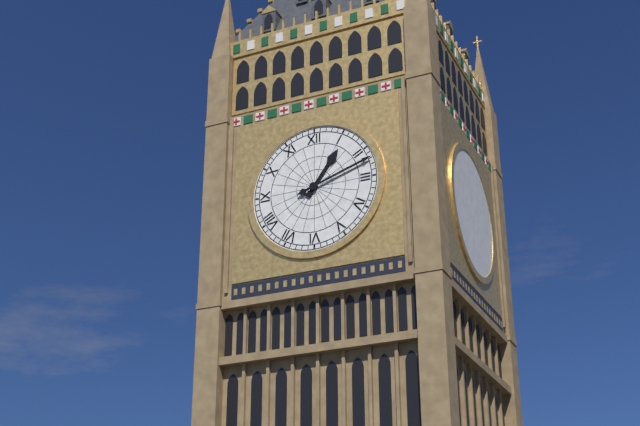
1:12
